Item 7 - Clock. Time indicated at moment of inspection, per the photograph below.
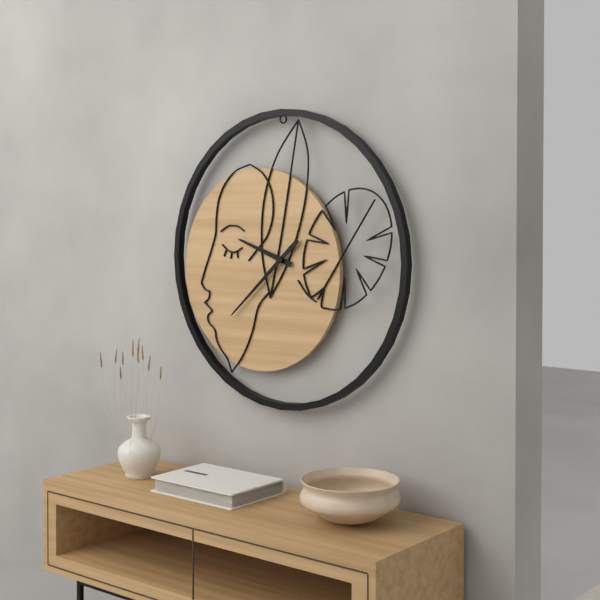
9:38
